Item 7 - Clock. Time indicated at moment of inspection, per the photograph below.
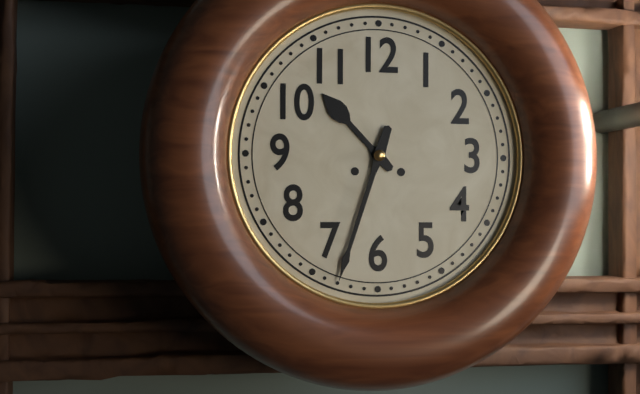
10:33
